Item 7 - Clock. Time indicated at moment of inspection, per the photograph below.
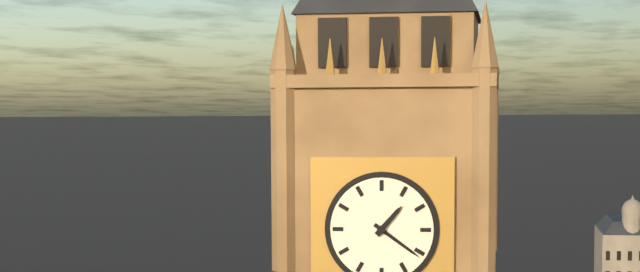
1:21
